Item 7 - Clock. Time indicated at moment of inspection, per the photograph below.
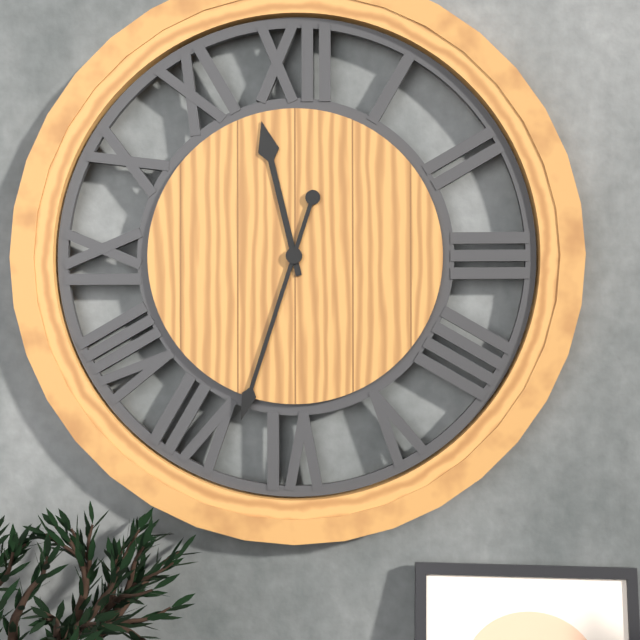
11:33
